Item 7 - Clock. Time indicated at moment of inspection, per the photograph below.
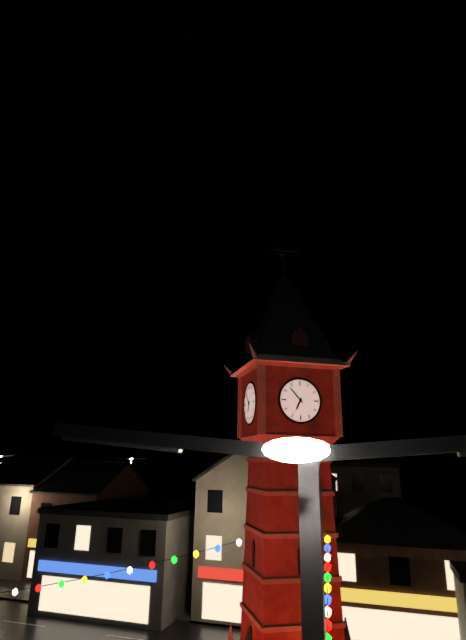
6:53
